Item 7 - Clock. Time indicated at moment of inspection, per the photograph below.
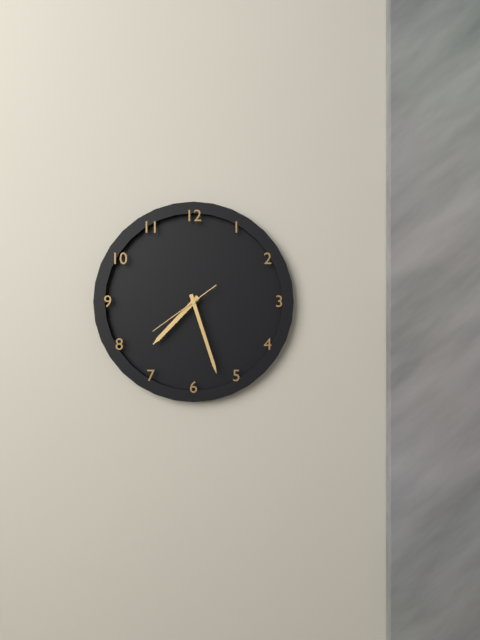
7:27:39
